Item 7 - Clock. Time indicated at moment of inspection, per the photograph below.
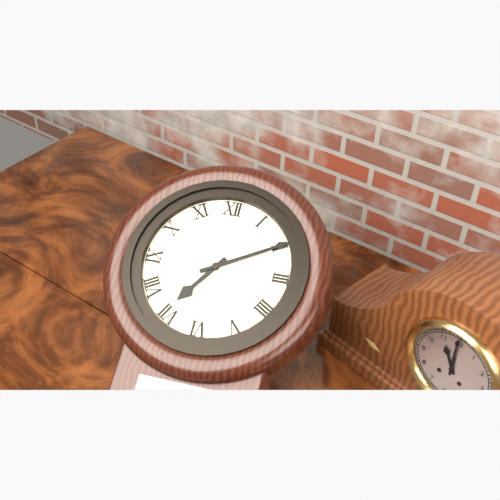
7:10
